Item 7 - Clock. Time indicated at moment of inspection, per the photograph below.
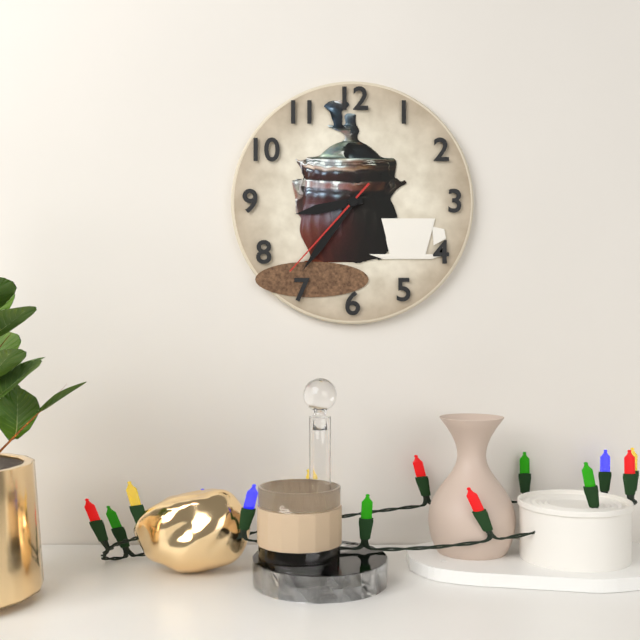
8:36:37
